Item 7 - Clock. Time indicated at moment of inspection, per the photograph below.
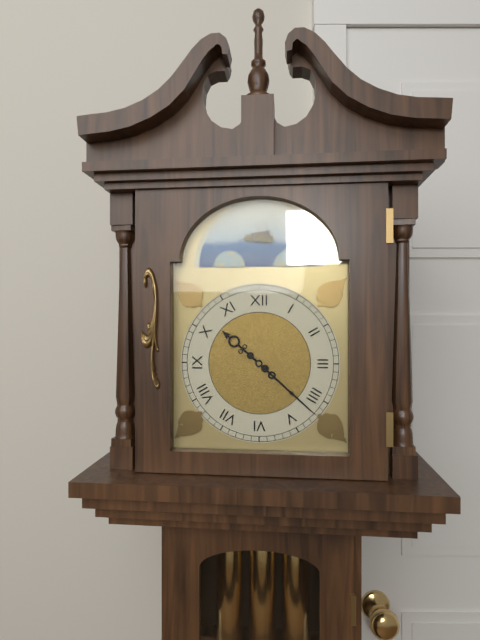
10:22
